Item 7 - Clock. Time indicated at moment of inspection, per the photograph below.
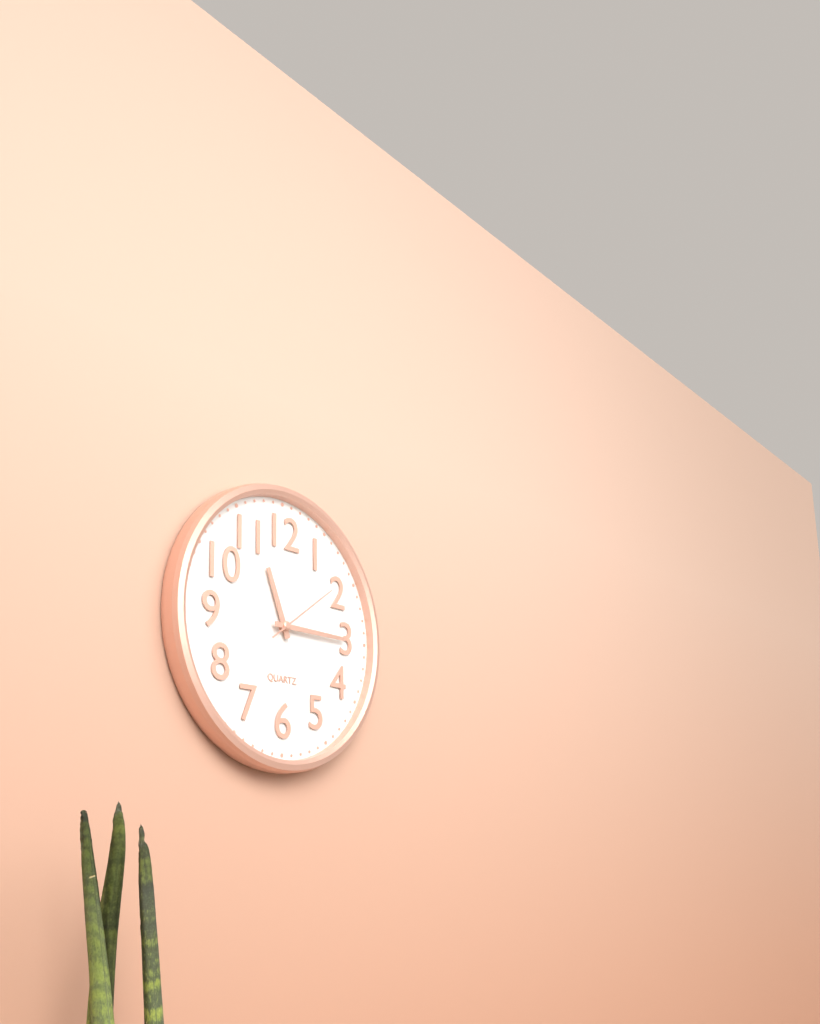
11:15:09
